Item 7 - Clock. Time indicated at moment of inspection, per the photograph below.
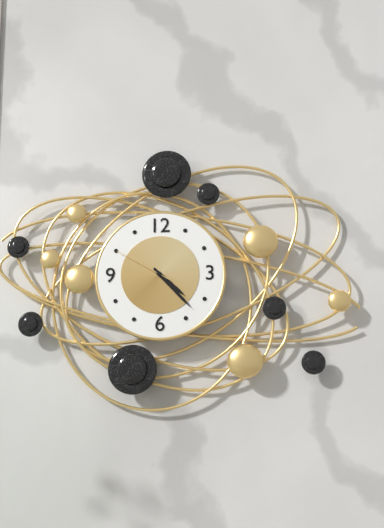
4:23:50
